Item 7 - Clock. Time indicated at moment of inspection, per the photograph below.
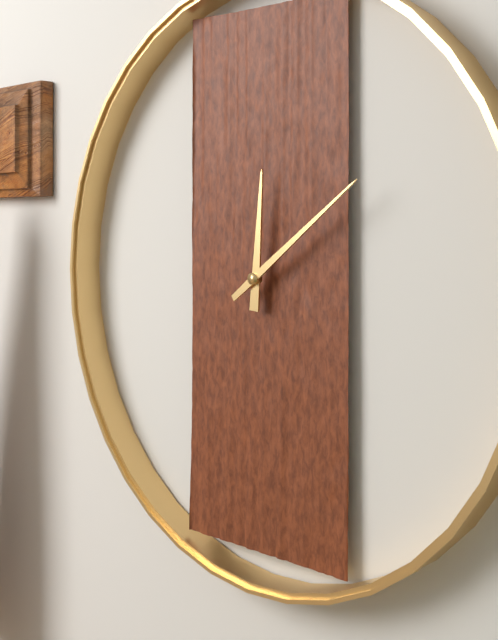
12:09
